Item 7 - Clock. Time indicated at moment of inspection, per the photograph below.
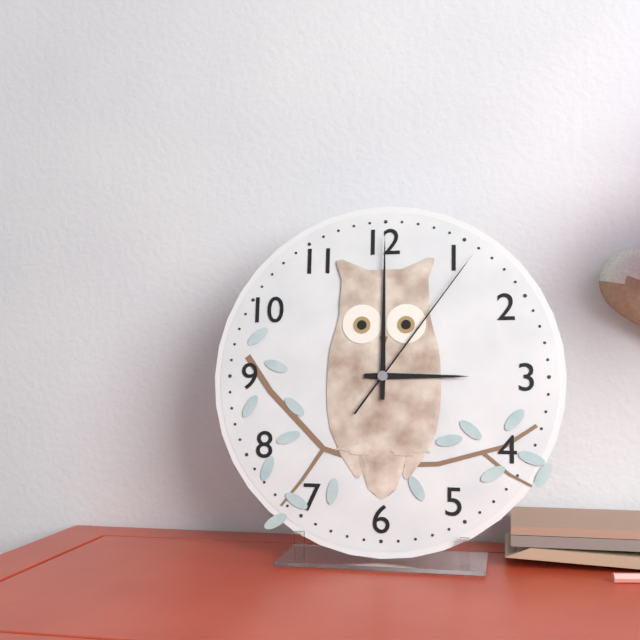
3:00:06
